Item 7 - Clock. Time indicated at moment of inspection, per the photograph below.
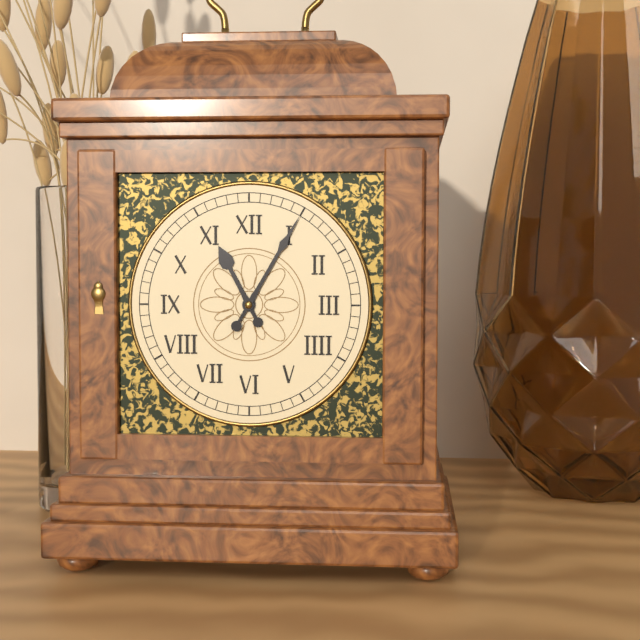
11:05
